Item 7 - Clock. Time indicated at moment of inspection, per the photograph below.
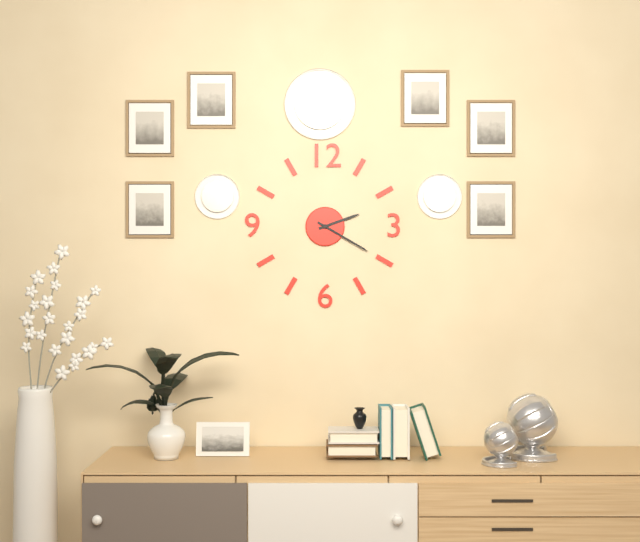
2:20
